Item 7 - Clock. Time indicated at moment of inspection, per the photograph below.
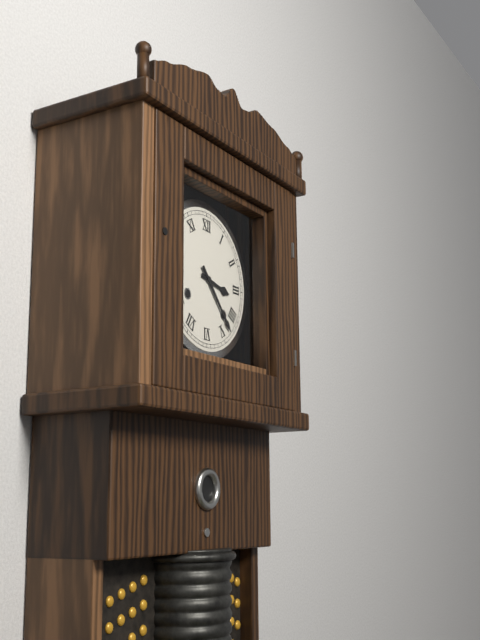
3:23
